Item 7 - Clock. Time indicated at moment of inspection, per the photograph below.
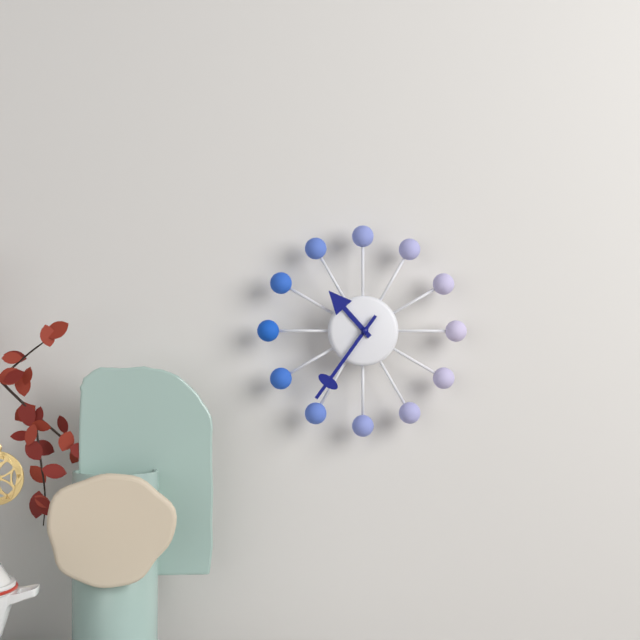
10:36
